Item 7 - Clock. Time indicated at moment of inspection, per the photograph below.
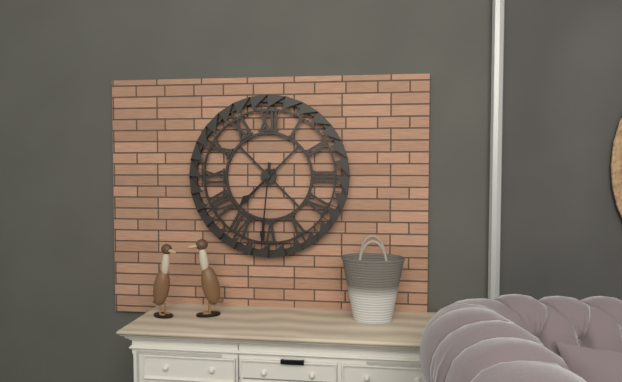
7:31
